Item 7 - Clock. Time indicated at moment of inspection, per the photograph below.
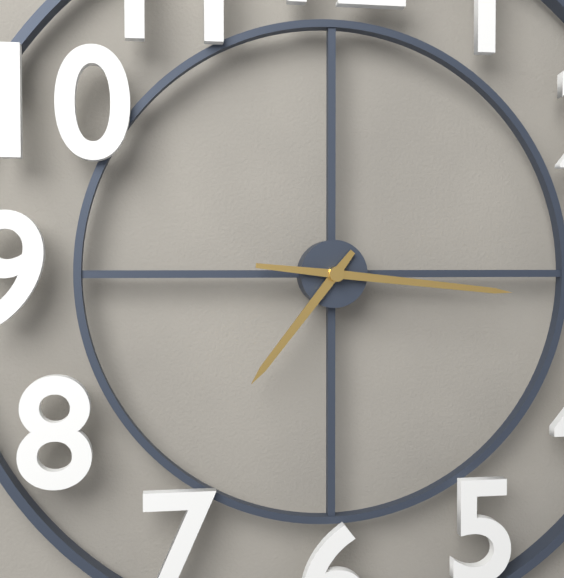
7:16
